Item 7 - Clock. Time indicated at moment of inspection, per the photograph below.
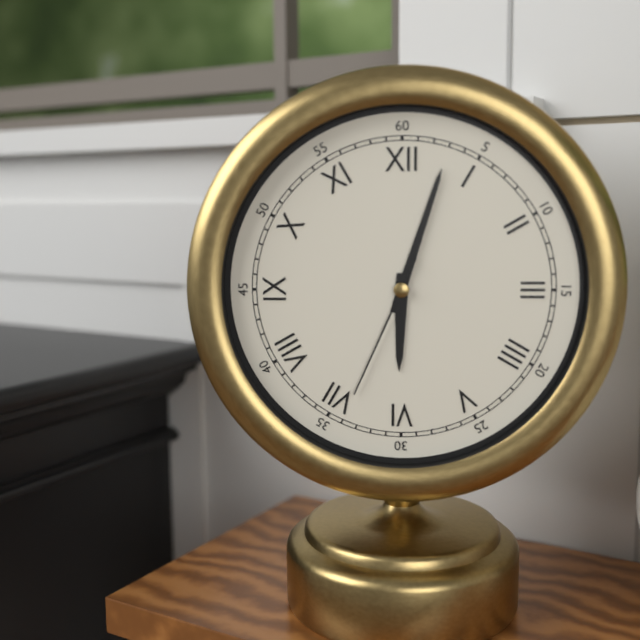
6:03:34
